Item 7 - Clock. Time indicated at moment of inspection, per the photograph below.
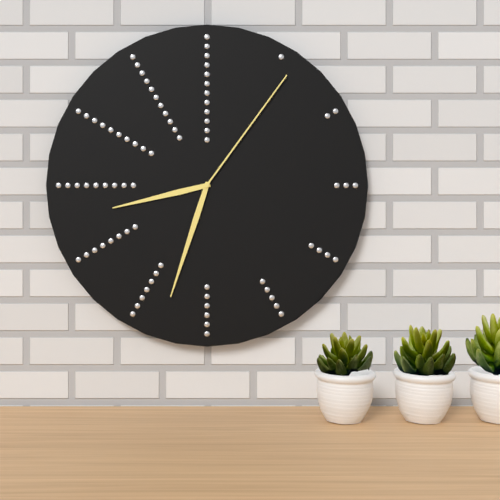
8:33:06
